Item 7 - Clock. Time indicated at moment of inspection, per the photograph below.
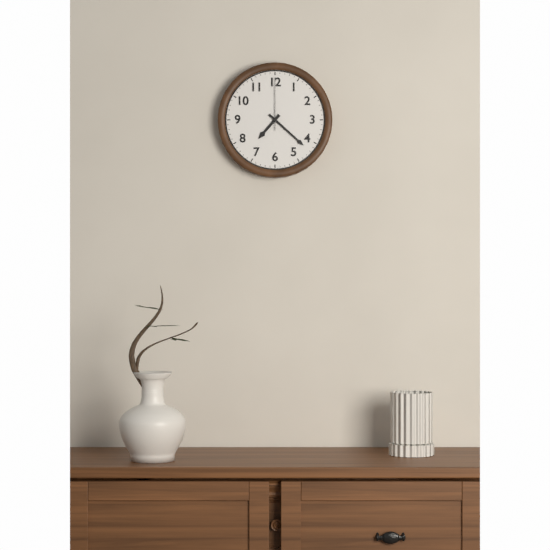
7:22:00
